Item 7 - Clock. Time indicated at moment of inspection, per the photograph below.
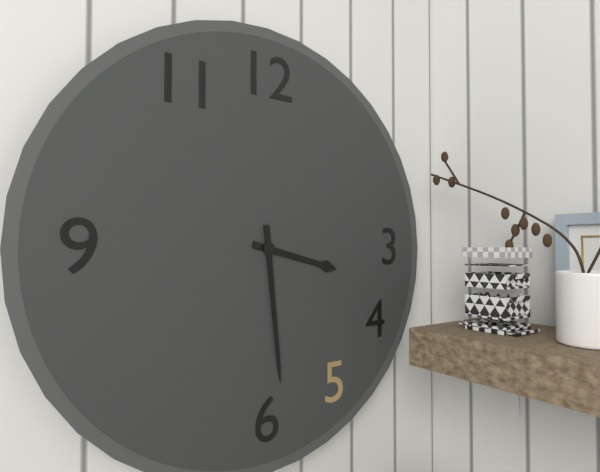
3:29
